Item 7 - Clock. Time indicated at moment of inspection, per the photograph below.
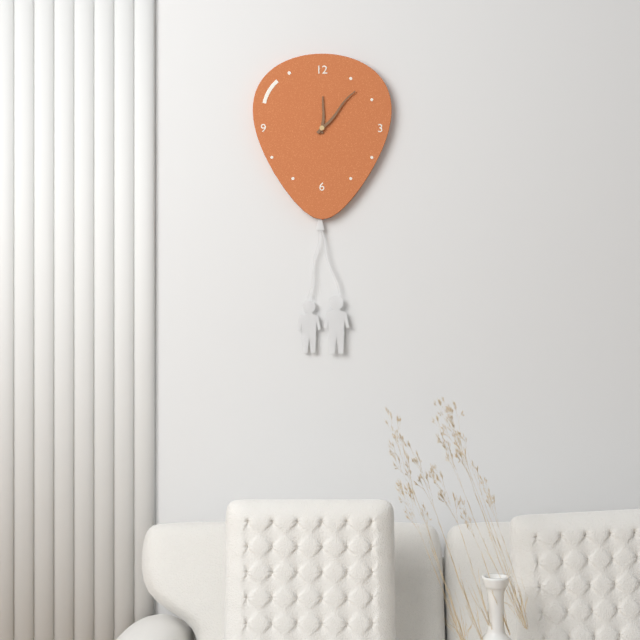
12:07
